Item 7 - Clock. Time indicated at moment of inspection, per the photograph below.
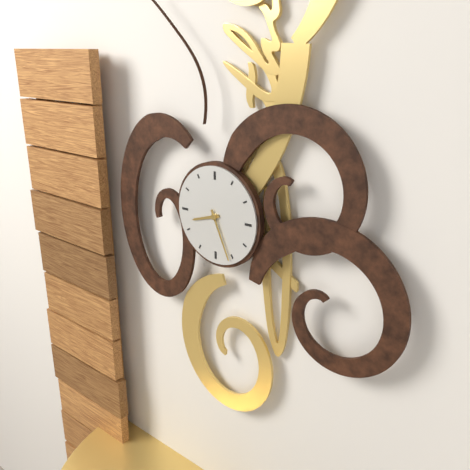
8:26
